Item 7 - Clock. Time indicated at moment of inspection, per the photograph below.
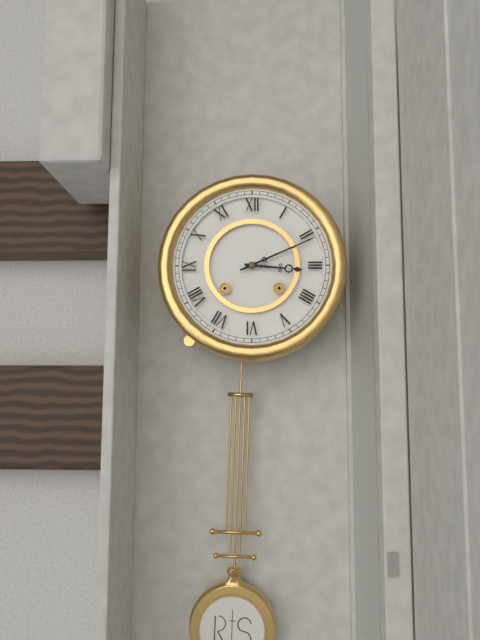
3:11
